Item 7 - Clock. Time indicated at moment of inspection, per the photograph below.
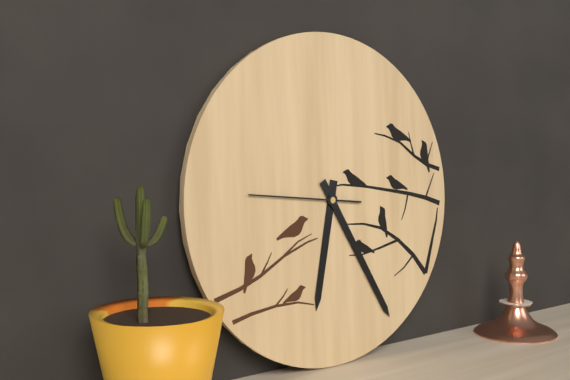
6:25:46
